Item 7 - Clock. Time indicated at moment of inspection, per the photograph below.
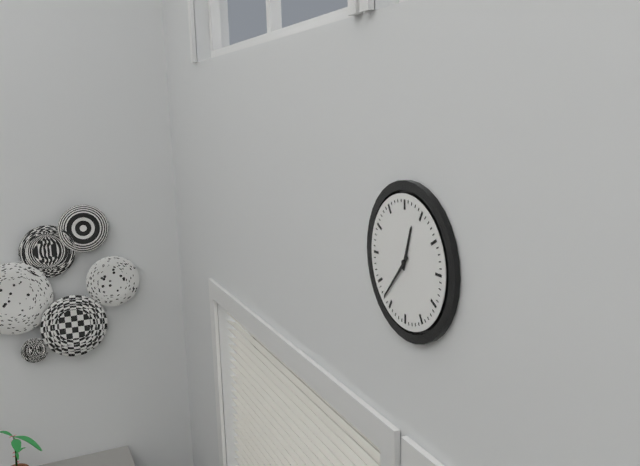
12:37
